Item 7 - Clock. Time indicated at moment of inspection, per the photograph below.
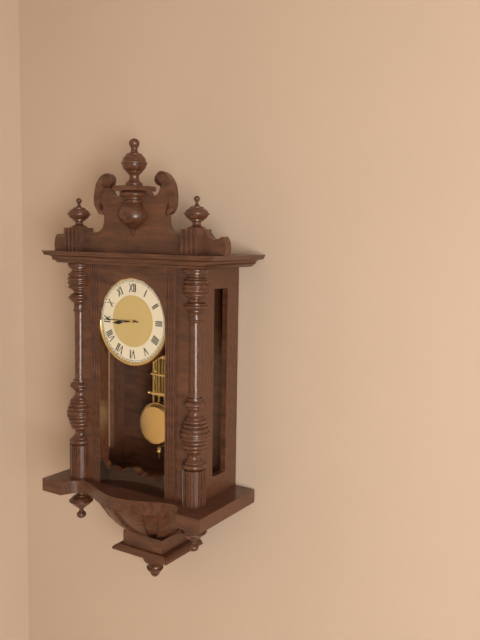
8:45
